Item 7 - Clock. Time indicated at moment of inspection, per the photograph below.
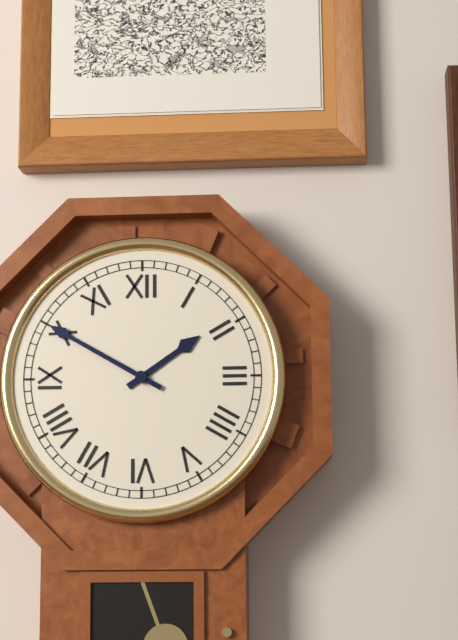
1:50
